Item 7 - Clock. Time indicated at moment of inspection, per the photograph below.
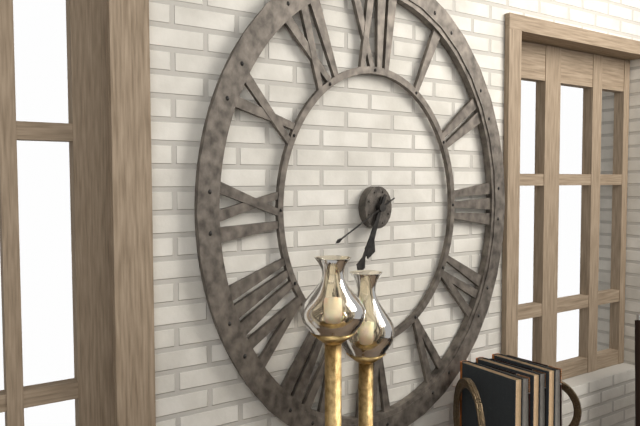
6:34:40
